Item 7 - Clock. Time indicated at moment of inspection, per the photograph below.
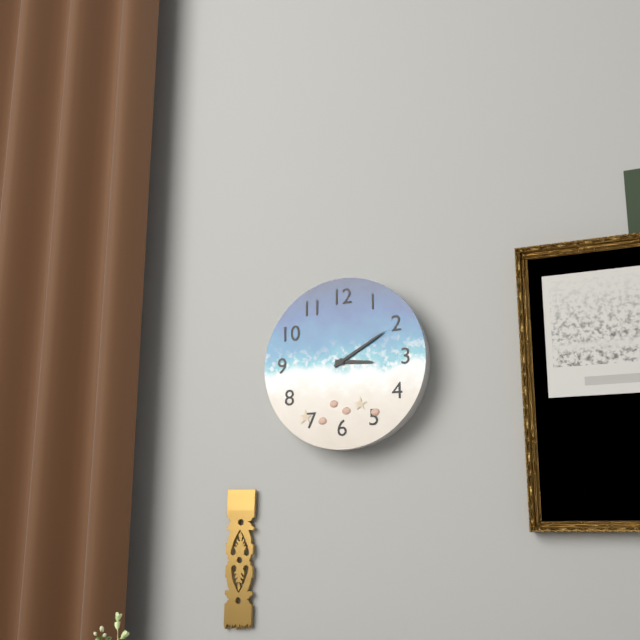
3:10
